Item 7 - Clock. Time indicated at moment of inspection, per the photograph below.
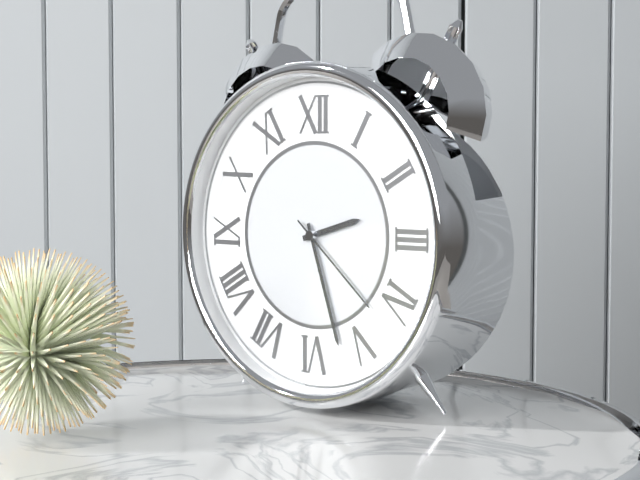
2:27:22
